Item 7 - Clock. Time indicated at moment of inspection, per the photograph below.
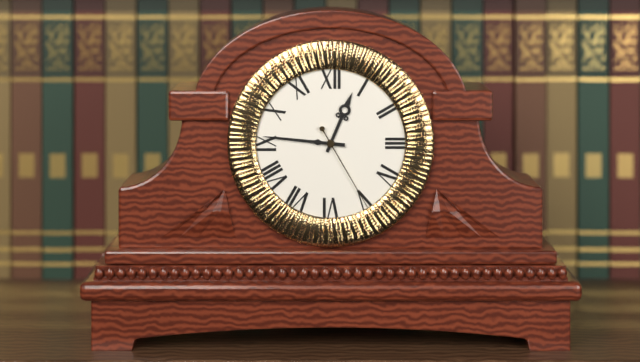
12:46:25
